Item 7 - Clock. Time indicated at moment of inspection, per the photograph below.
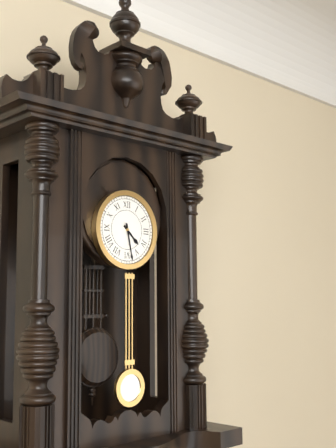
4:28
